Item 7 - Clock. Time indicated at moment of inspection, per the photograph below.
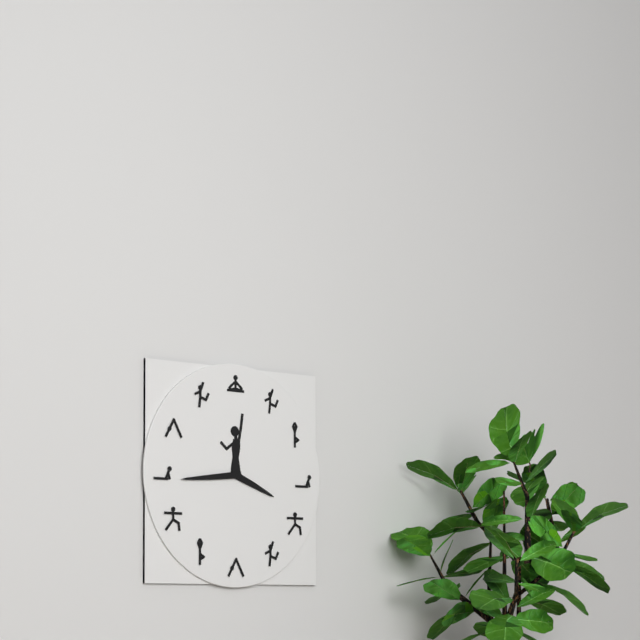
3:44
